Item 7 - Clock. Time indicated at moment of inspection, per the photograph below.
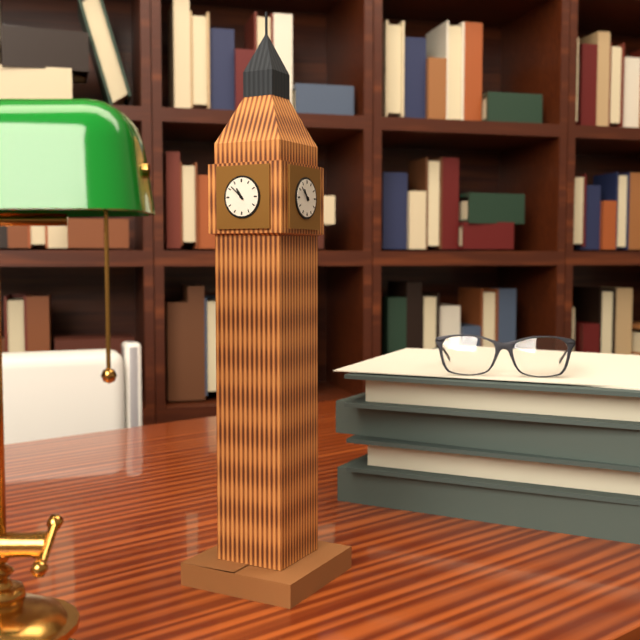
10:52
